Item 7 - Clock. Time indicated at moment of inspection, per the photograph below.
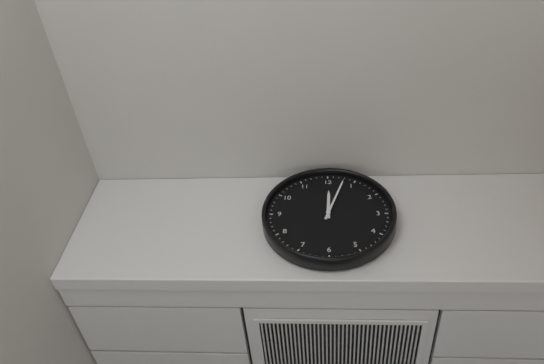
12:03
